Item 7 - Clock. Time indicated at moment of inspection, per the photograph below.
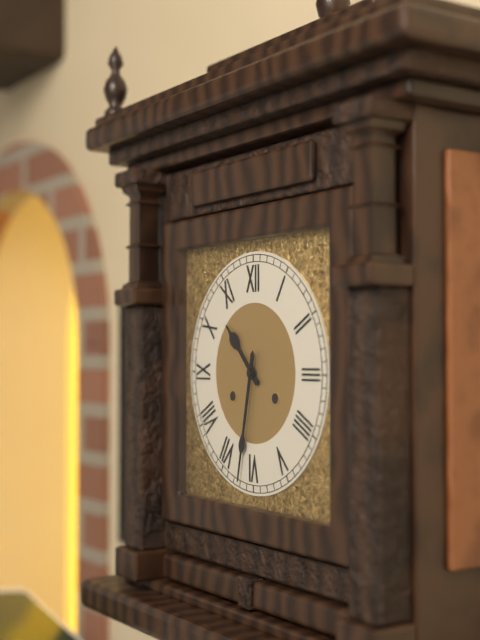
10:32
